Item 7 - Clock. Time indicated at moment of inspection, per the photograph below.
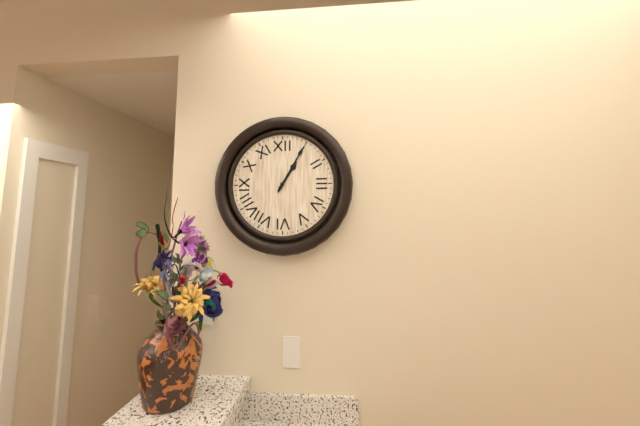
1:05
